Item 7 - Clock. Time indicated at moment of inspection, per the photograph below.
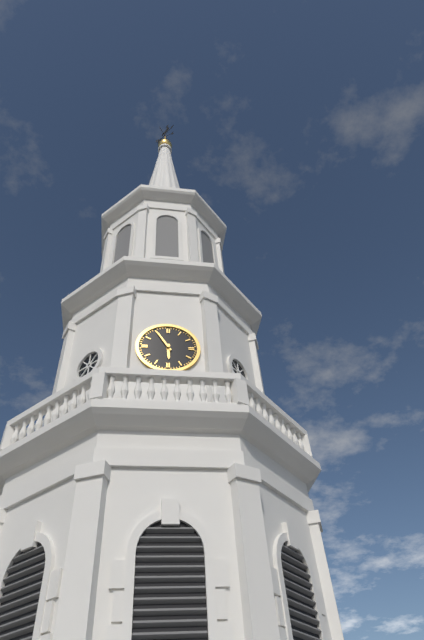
5:55
